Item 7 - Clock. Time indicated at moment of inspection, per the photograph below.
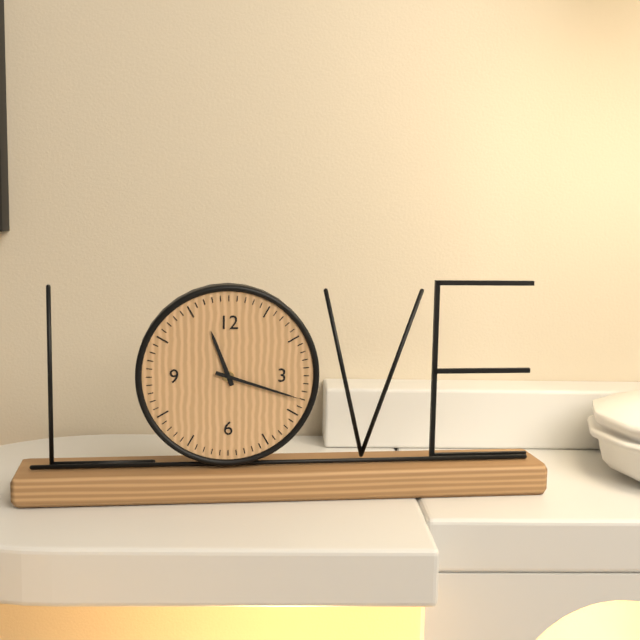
11:18
